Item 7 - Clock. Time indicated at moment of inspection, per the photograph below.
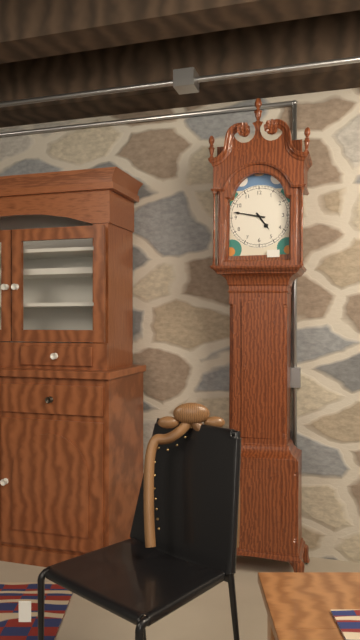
4:47
